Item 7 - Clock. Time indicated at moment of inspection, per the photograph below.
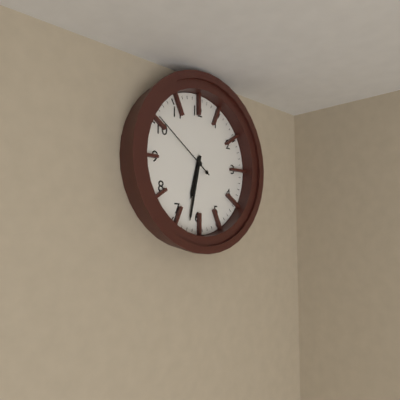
6:32:51
